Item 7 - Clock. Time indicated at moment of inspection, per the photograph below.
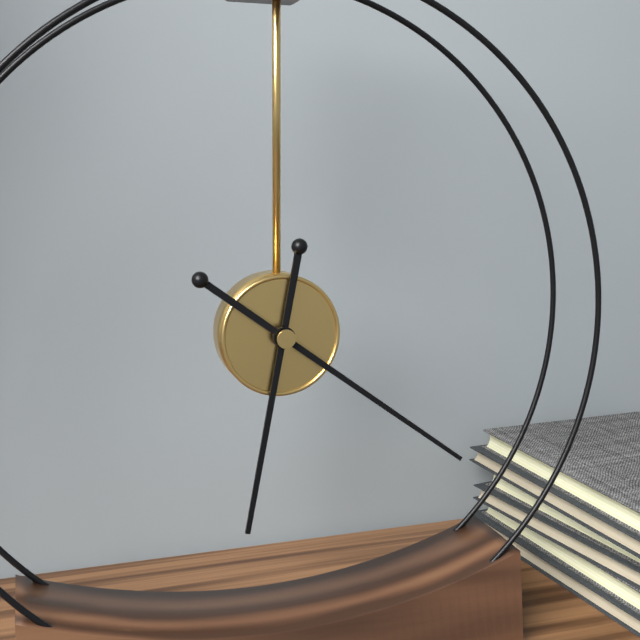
6:21
